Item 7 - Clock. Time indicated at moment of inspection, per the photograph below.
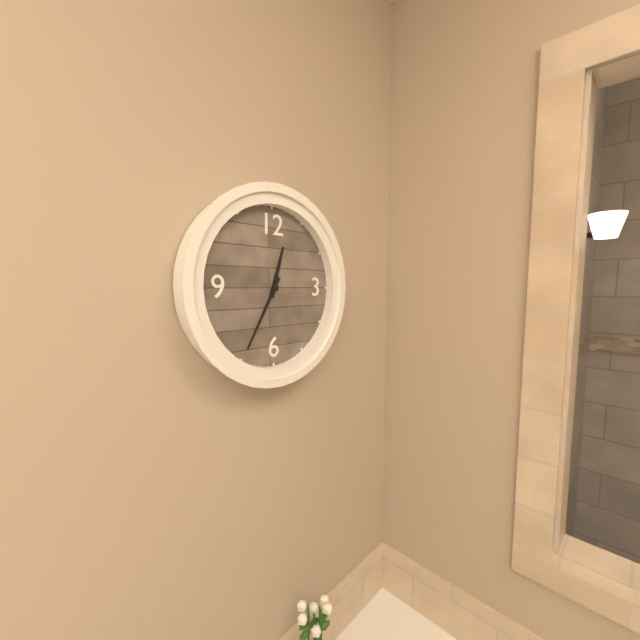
12:35
